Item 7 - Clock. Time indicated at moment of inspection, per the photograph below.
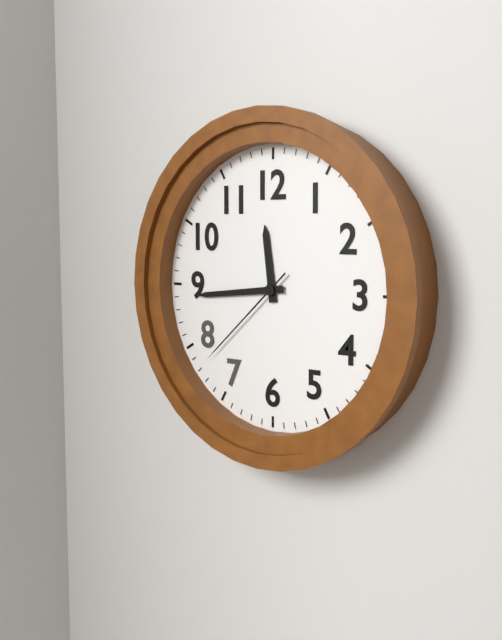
11:44:38
